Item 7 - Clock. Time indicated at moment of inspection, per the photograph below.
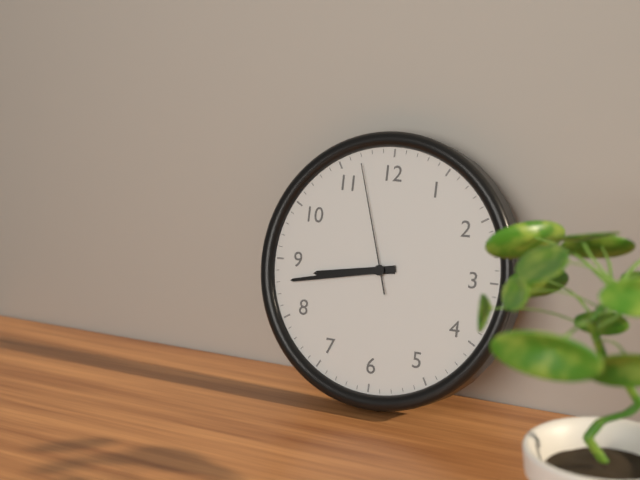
8:43:57
